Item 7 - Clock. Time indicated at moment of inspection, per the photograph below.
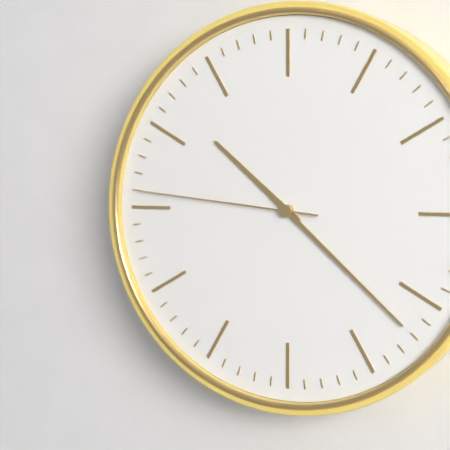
10:22:46
